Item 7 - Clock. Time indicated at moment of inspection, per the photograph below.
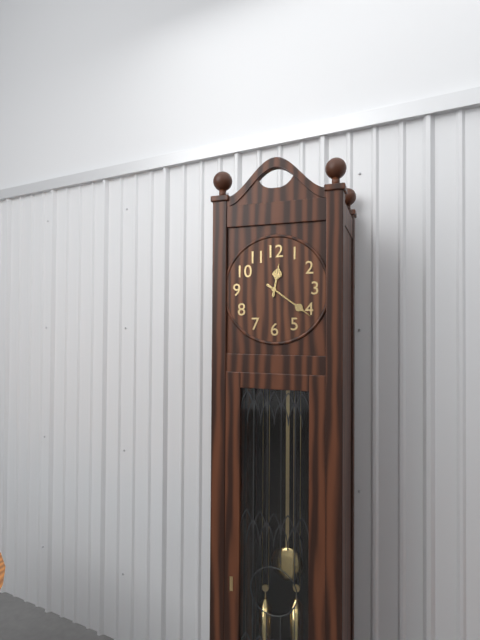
12:21
